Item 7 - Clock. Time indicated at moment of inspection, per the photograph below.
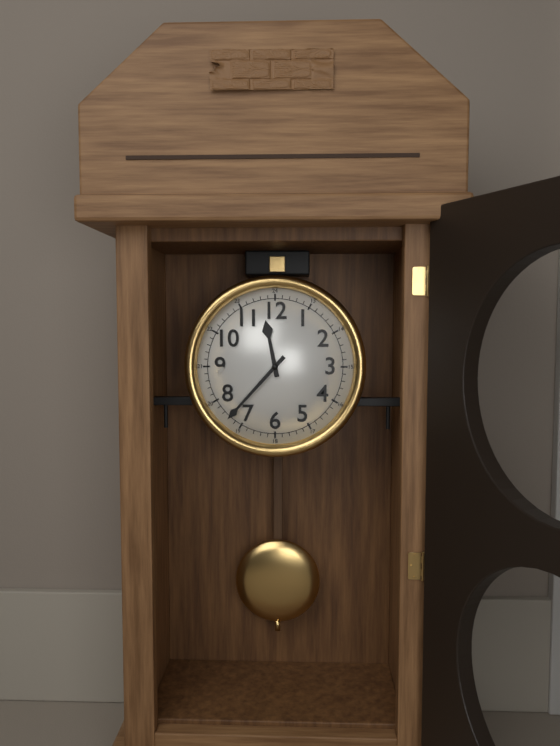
11:37
